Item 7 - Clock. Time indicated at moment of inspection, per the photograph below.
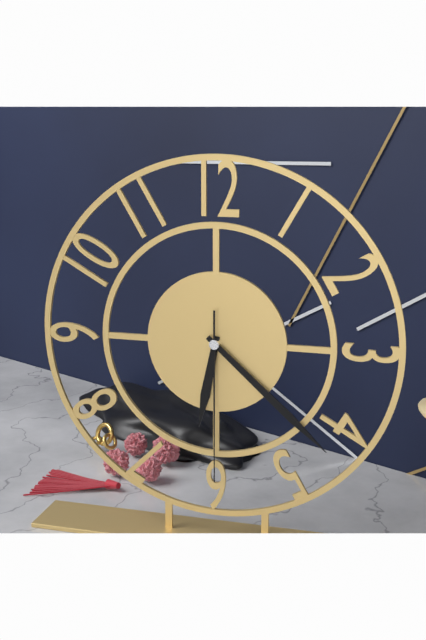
6:22:30
